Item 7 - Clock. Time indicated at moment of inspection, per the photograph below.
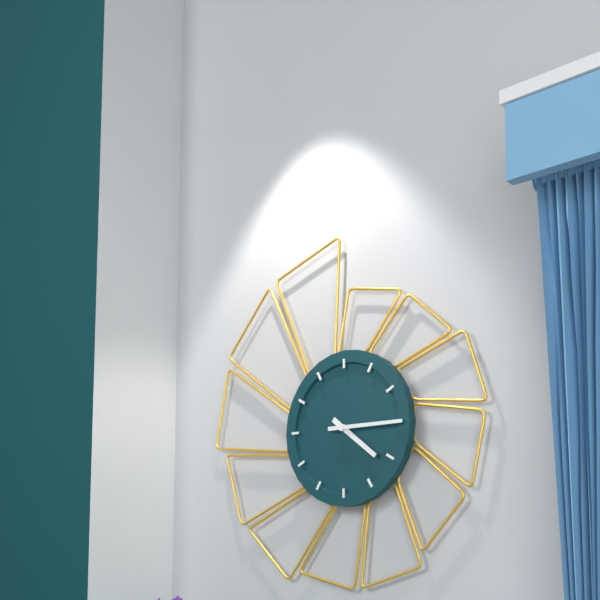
4:15
